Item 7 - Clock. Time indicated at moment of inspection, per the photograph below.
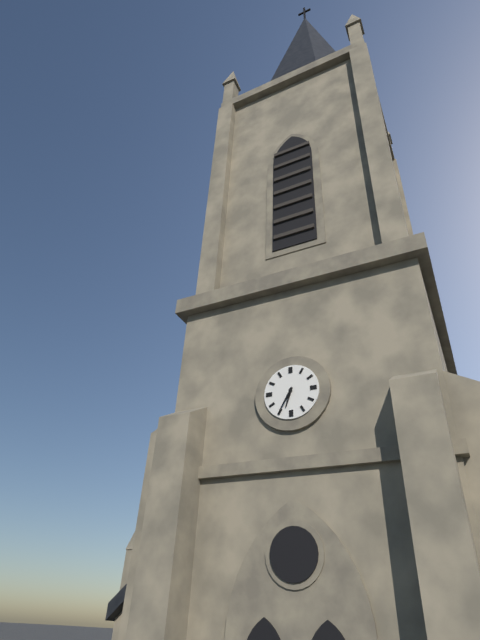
6:35
